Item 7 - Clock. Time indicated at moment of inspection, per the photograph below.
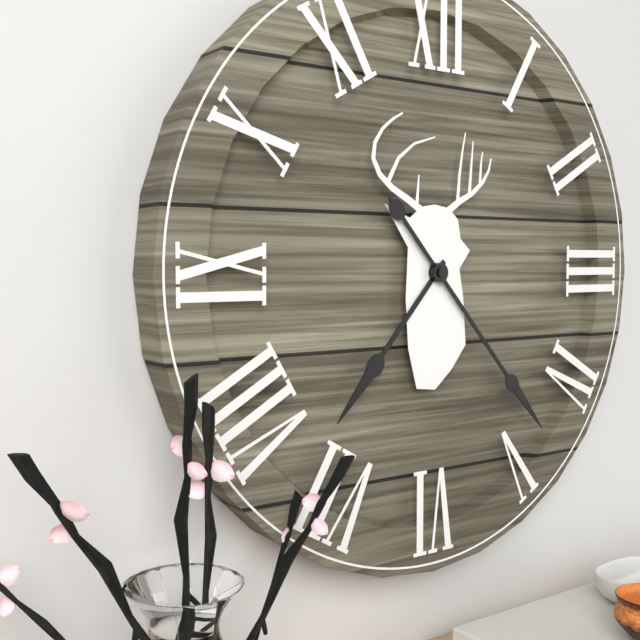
7:23
